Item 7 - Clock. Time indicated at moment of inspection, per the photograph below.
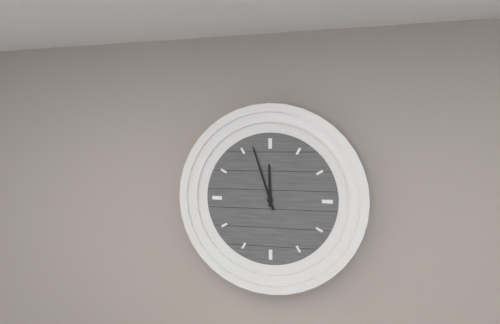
11:57
